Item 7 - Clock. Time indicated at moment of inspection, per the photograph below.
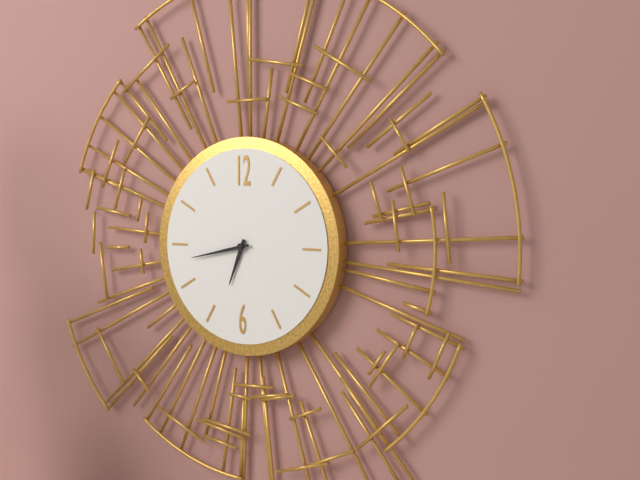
6:43
